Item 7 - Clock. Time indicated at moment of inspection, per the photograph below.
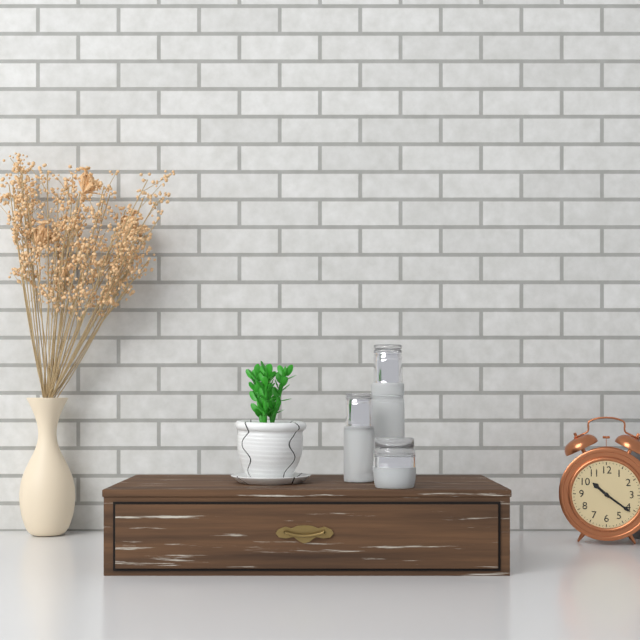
10:21
